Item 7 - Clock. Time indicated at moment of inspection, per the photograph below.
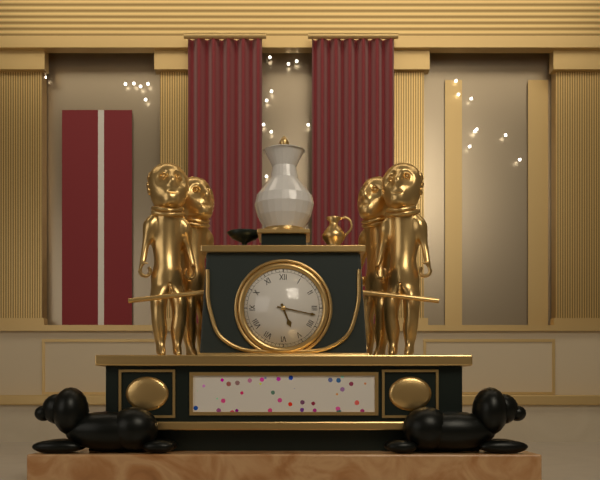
5:17
